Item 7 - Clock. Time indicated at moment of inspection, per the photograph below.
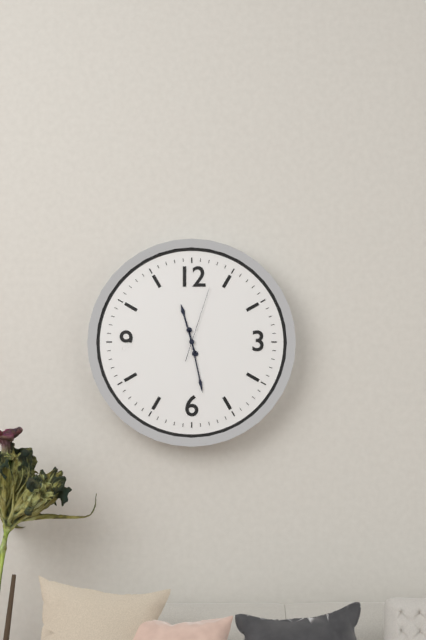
11:28:03
